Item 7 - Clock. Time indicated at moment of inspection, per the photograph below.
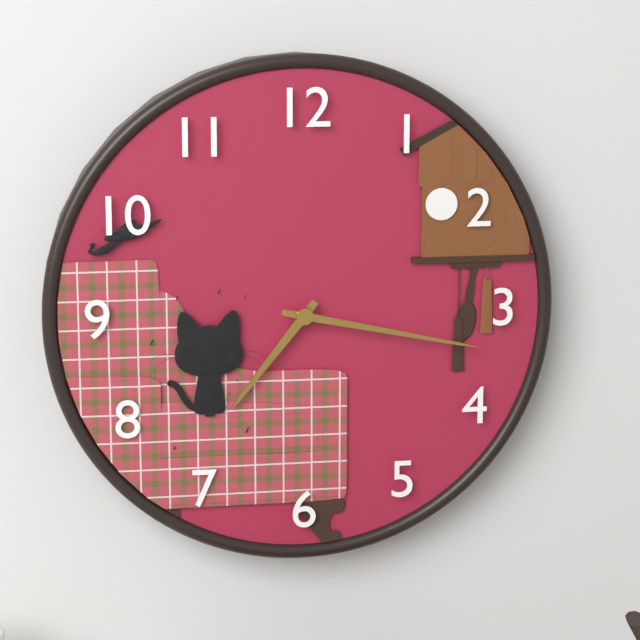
7:17
